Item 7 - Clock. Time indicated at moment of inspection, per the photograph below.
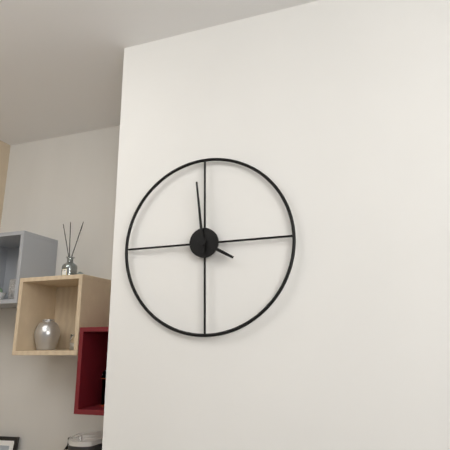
3:59
